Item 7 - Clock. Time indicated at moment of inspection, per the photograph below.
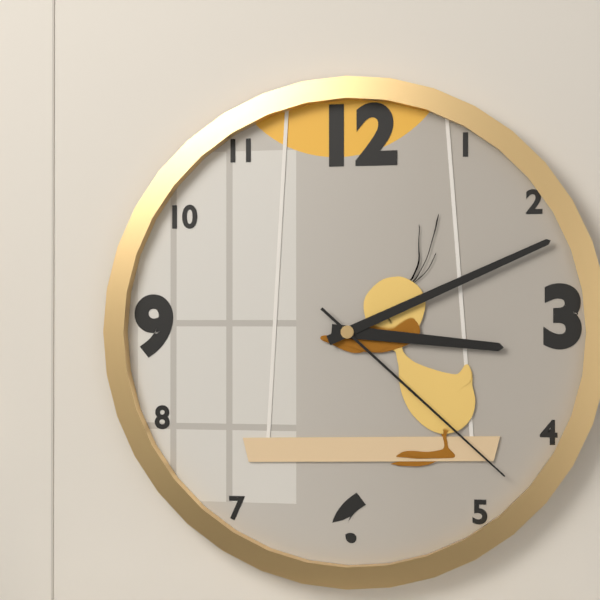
3:11:22
